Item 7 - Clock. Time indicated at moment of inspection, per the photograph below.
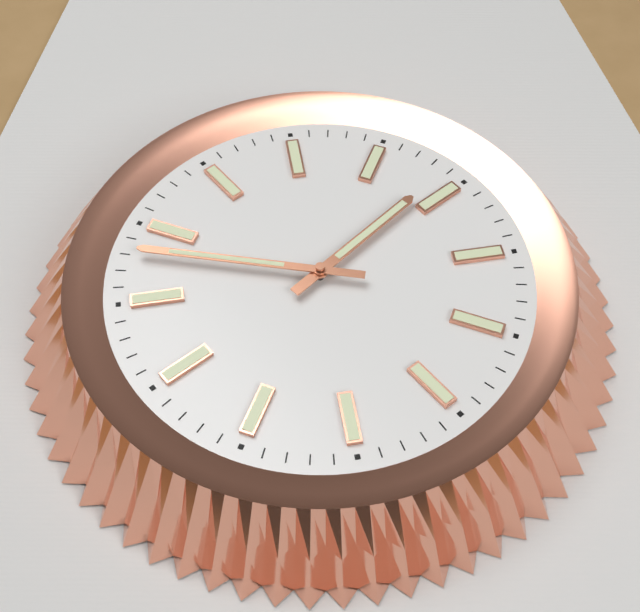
1:48
